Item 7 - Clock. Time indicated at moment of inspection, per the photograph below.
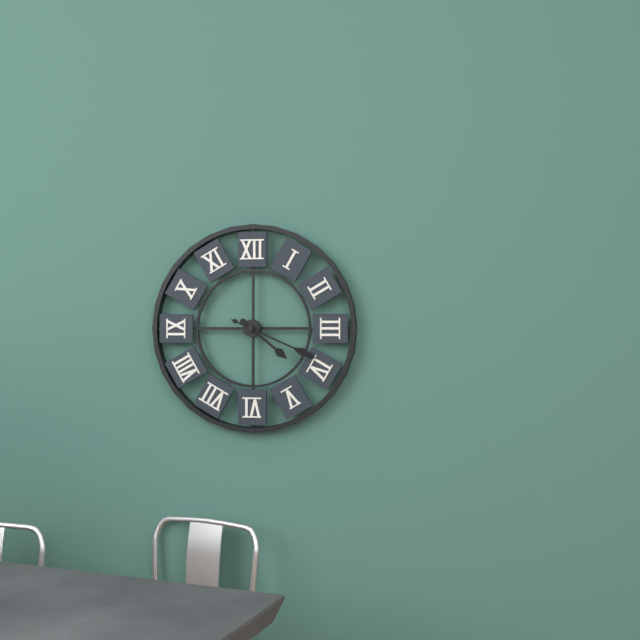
4:19
